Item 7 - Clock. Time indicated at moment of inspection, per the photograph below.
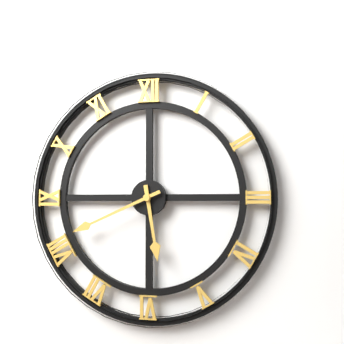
5:41
